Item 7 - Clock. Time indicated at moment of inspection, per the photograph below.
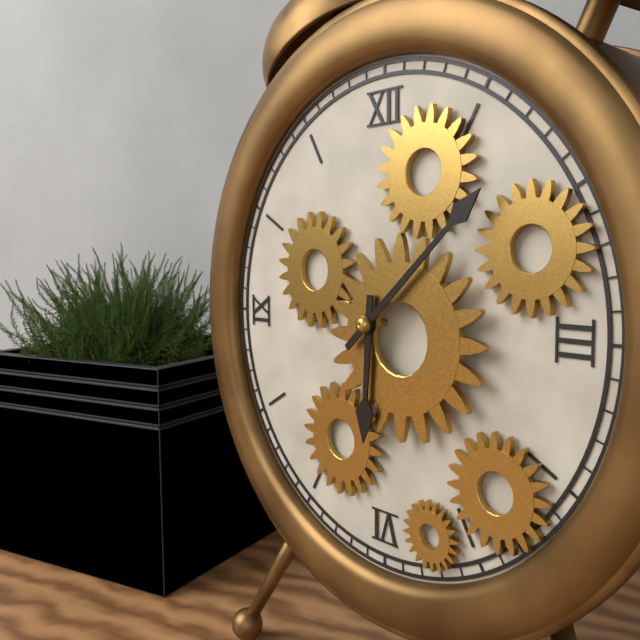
6:08
